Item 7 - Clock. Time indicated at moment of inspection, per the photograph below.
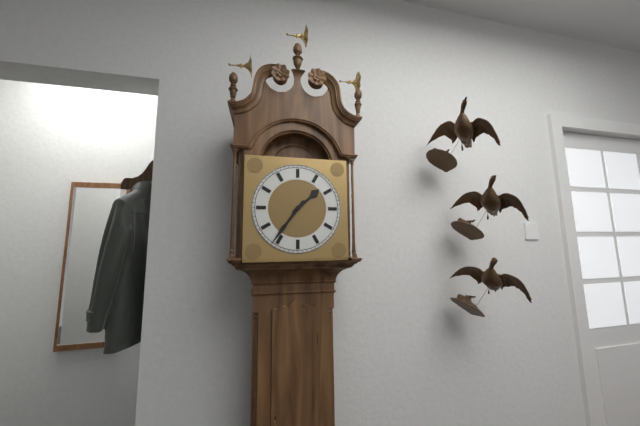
1:36
